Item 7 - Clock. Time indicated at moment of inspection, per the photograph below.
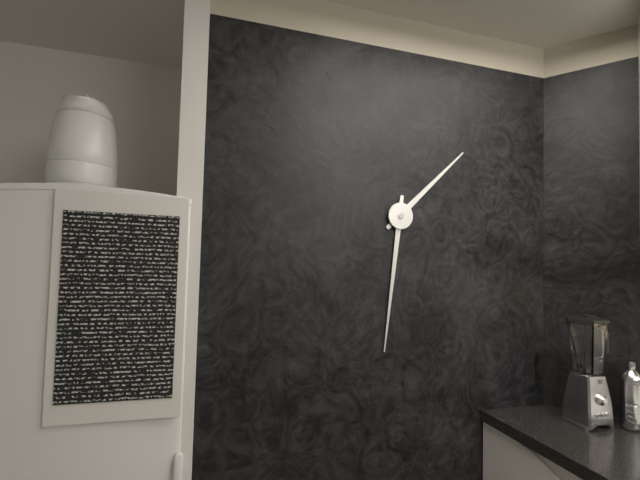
1:31
